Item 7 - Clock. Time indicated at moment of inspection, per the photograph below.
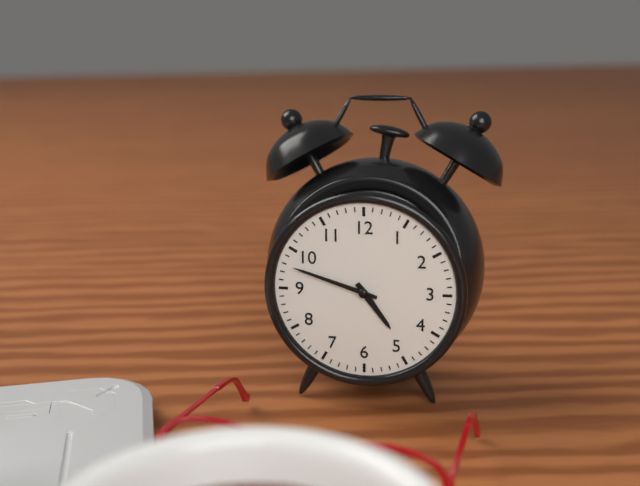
4:48
